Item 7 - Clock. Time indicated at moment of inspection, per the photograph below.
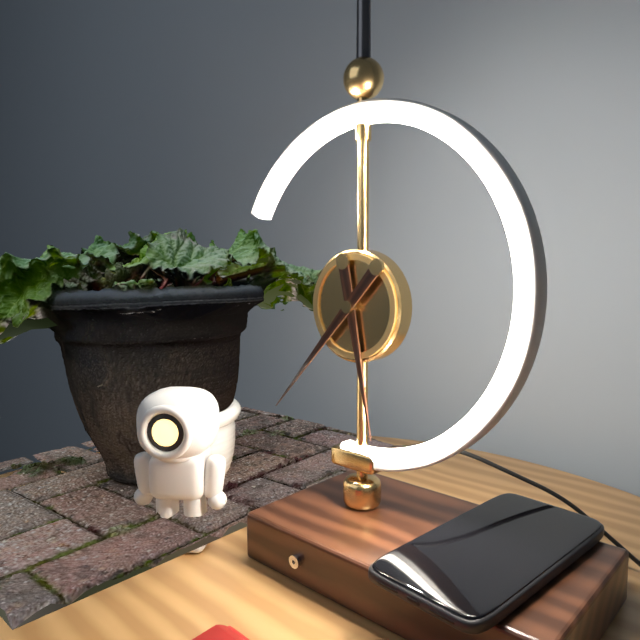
5:37
